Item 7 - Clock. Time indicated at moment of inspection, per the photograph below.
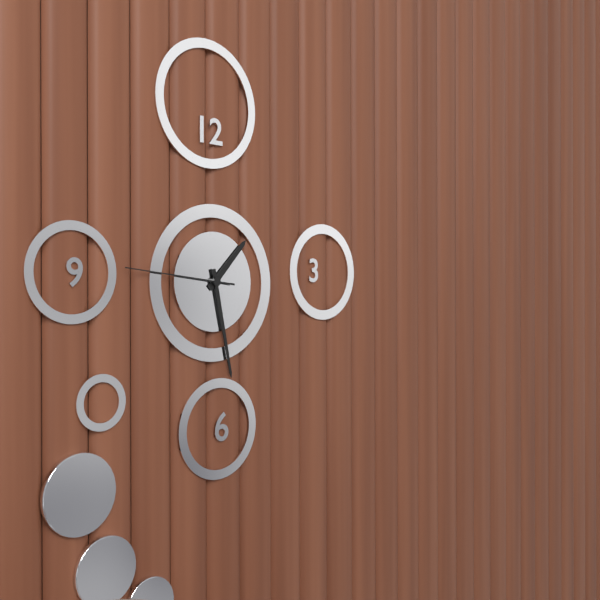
1:28:46
